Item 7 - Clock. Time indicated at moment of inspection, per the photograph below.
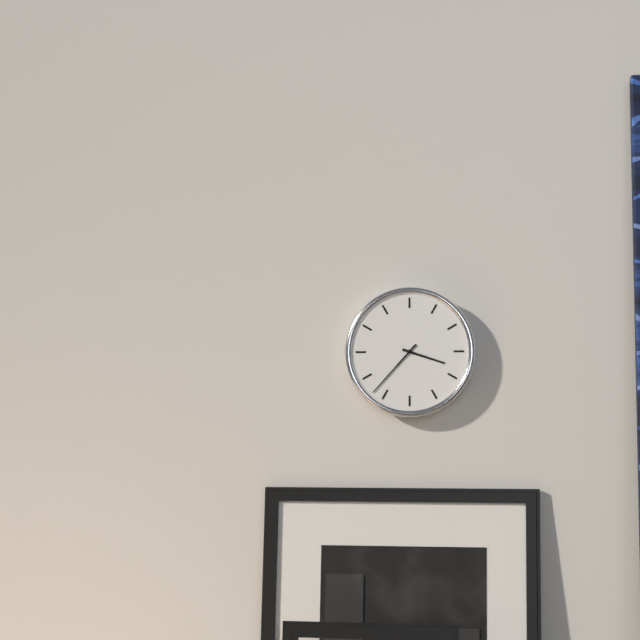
3:37
